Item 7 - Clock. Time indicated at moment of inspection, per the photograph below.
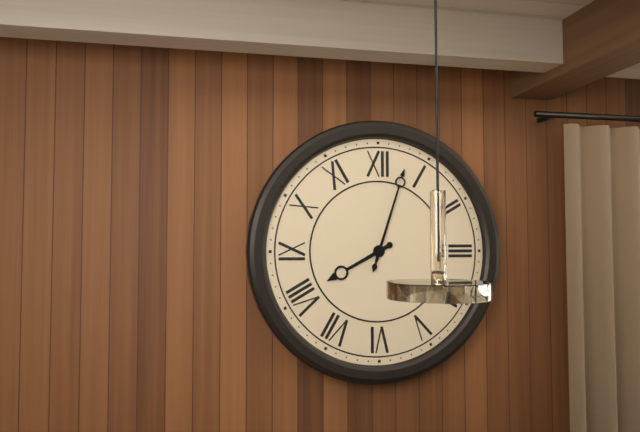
8:03
